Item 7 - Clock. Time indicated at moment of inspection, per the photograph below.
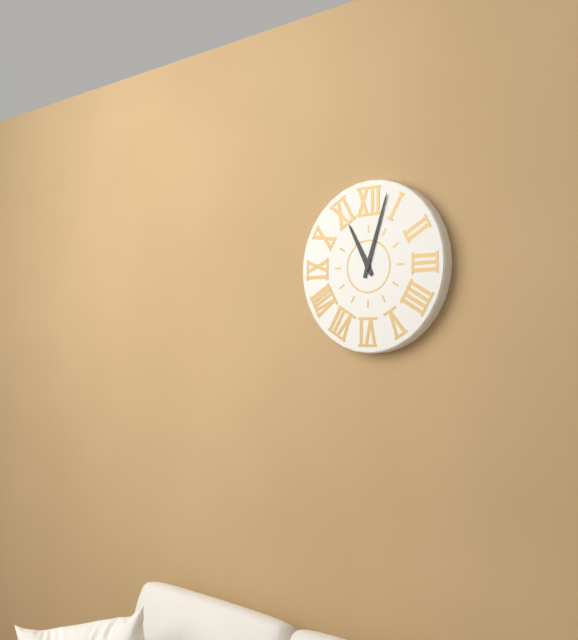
11:03
